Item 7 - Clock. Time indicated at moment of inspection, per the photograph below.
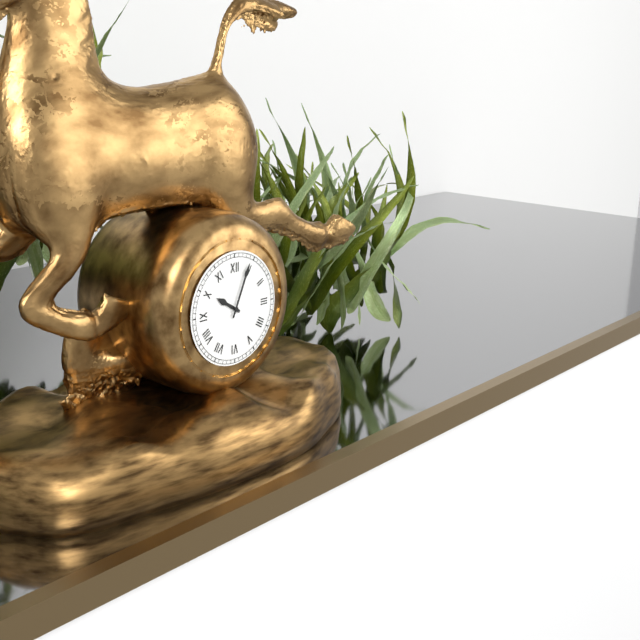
10:04
